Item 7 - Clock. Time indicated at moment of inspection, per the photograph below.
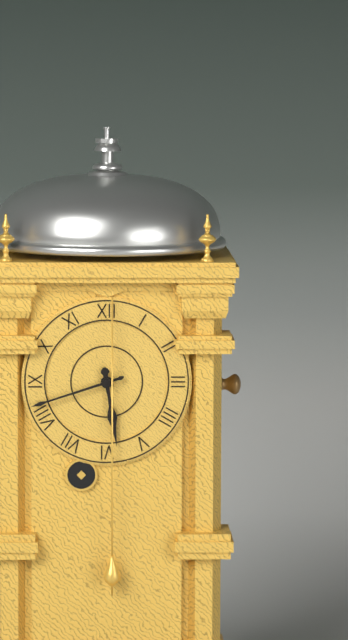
5:42
